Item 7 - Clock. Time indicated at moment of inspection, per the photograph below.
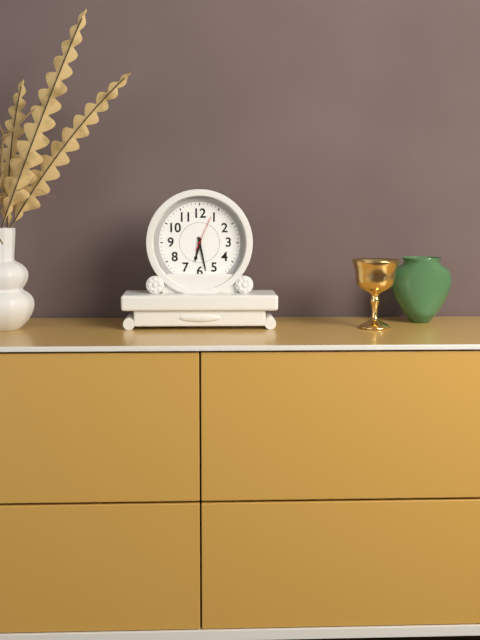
6:28
